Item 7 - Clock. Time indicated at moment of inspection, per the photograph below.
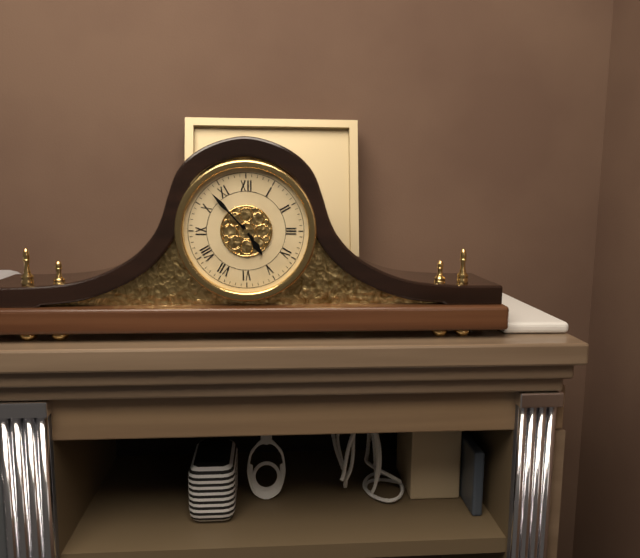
4:53
